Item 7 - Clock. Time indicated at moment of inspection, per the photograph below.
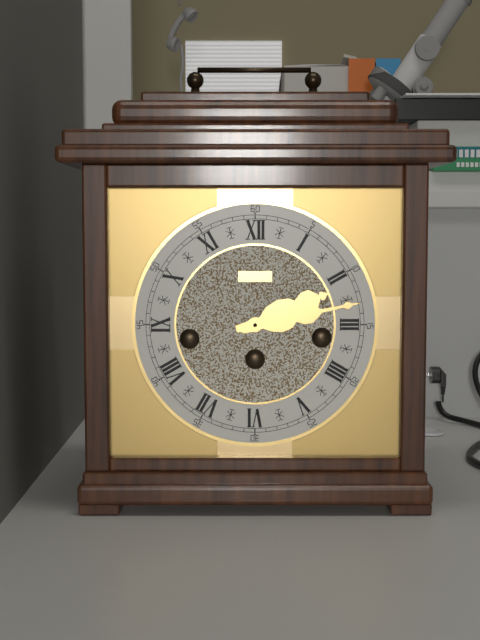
2:13
